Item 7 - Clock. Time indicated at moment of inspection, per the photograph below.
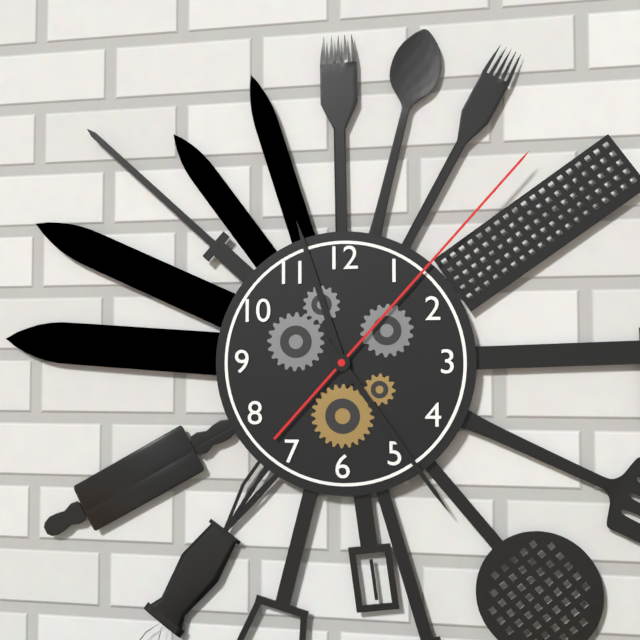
11:24:07
